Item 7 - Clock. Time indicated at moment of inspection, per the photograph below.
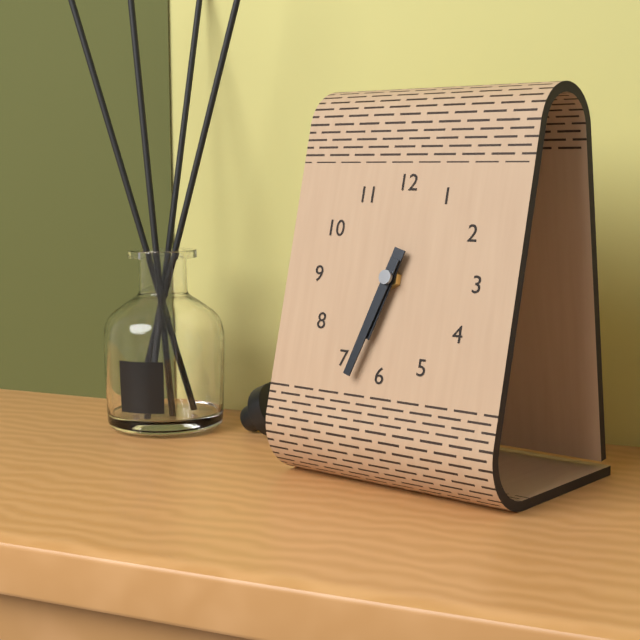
6:33
